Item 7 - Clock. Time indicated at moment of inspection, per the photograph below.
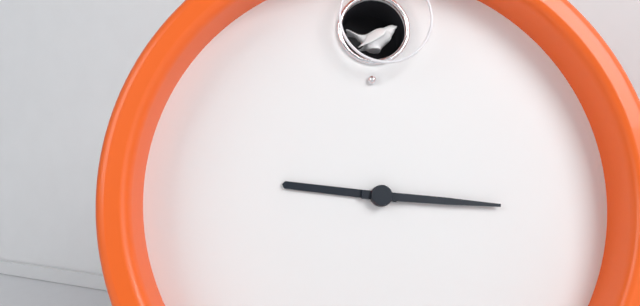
9:16
